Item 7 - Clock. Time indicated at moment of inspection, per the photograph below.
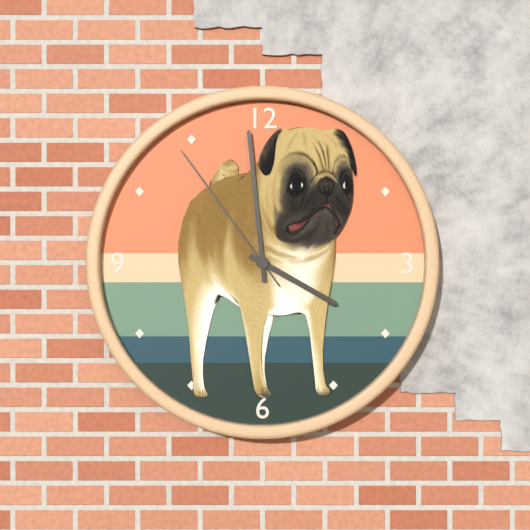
3:59:54
